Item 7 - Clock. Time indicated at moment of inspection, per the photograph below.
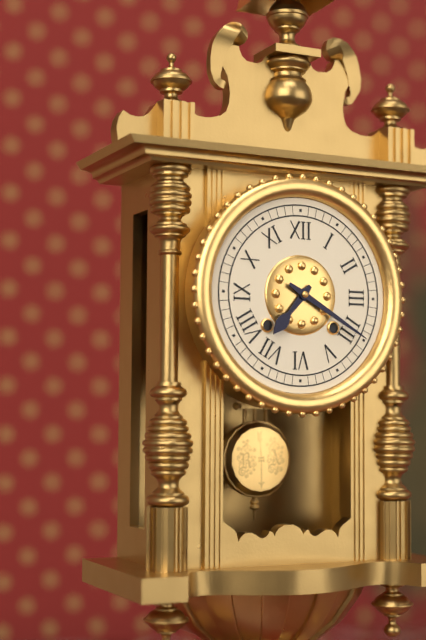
7:20
